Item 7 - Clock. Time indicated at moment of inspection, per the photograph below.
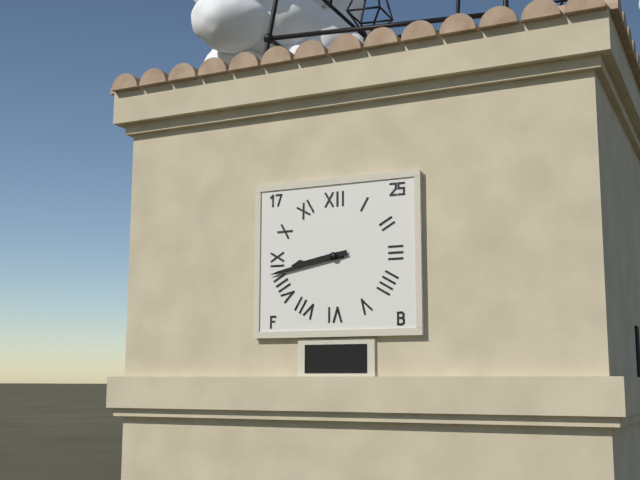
8:43
